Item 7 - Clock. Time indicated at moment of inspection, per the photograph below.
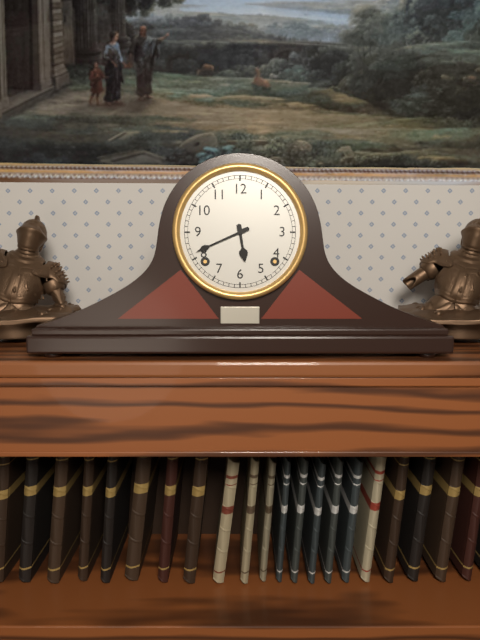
5:41
